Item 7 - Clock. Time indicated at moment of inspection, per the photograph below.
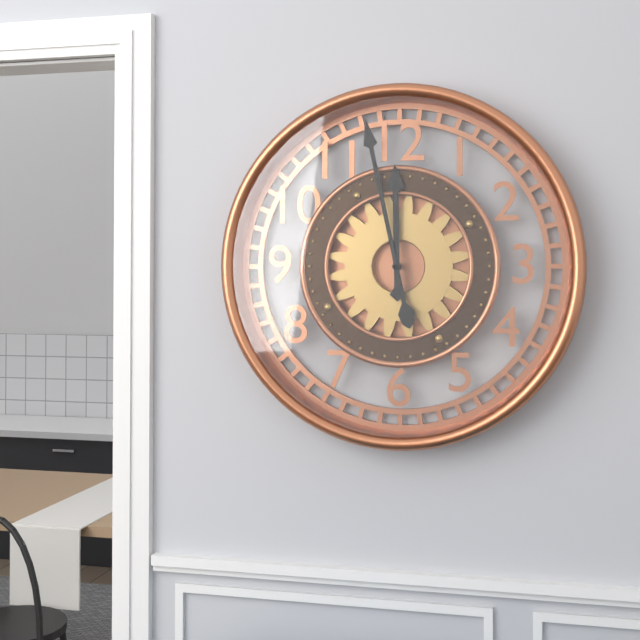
11:58
